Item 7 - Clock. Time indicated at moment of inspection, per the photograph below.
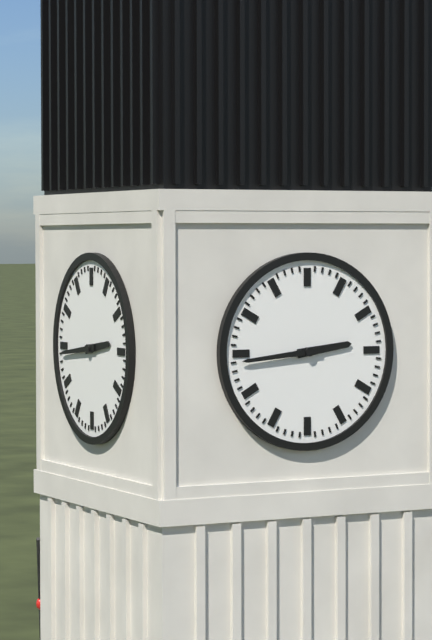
2:44
